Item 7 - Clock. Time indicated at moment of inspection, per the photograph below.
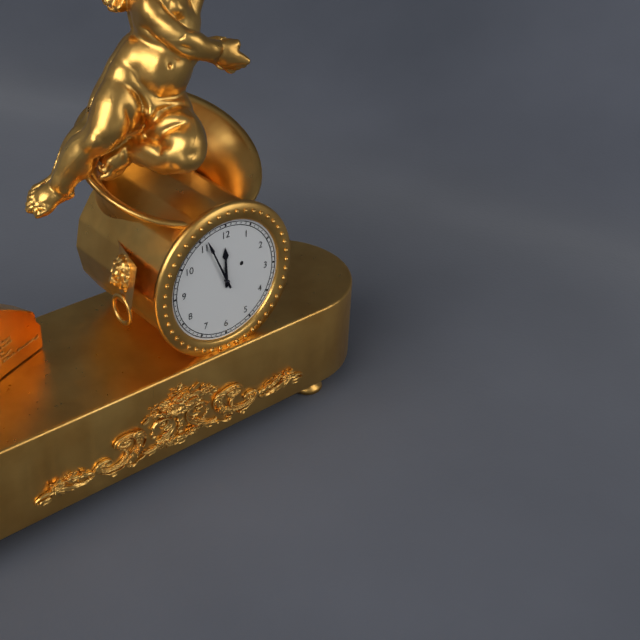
11:56
